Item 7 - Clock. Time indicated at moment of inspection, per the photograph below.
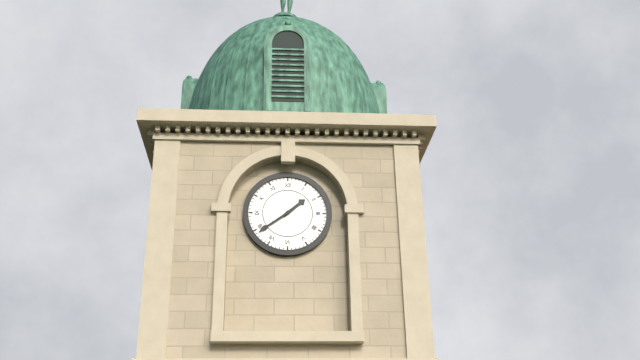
1:39
